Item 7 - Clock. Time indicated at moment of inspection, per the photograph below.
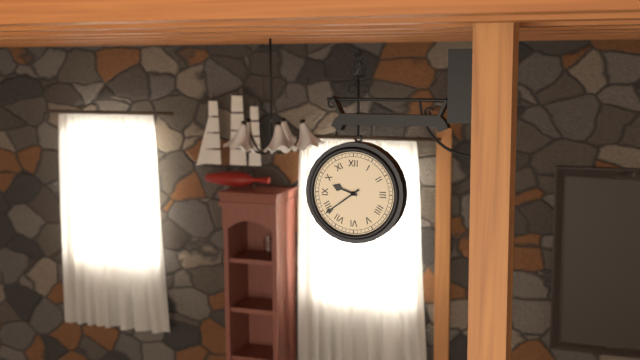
9:39
